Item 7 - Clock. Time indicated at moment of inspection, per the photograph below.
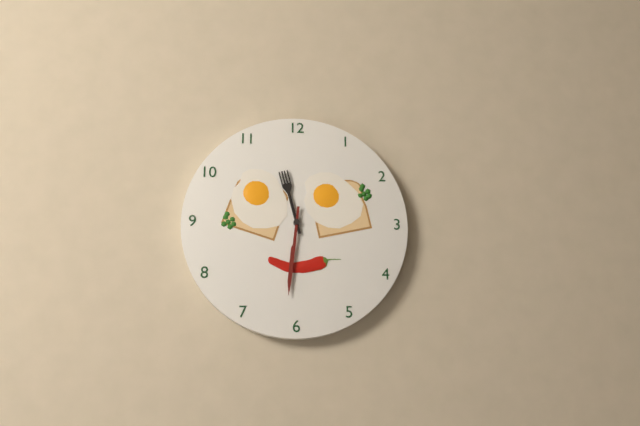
11:31
